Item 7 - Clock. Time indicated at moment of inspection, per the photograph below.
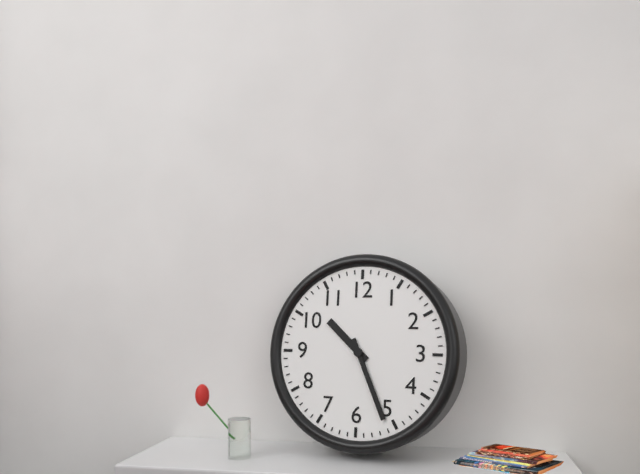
10:26
